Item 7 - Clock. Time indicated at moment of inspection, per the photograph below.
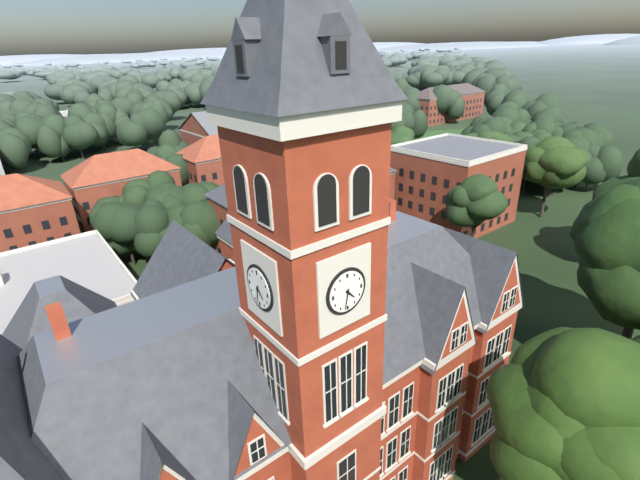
4:32
